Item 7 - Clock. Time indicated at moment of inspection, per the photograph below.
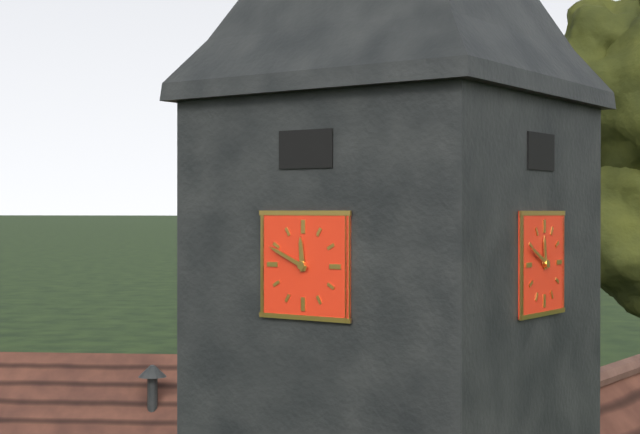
11:49
